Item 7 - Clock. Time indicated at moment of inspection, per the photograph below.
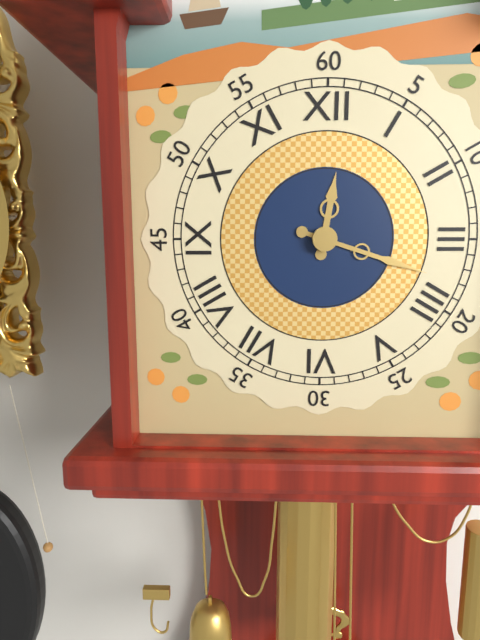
12:18
